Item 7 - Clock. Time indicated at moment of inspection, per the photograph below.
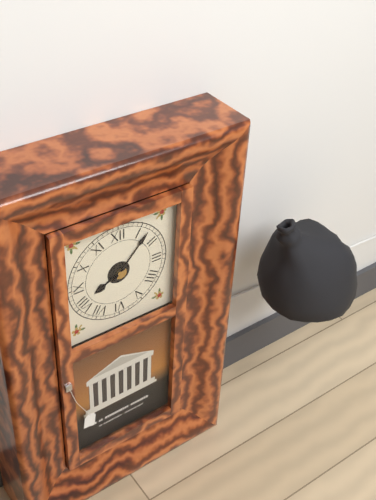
8:07
